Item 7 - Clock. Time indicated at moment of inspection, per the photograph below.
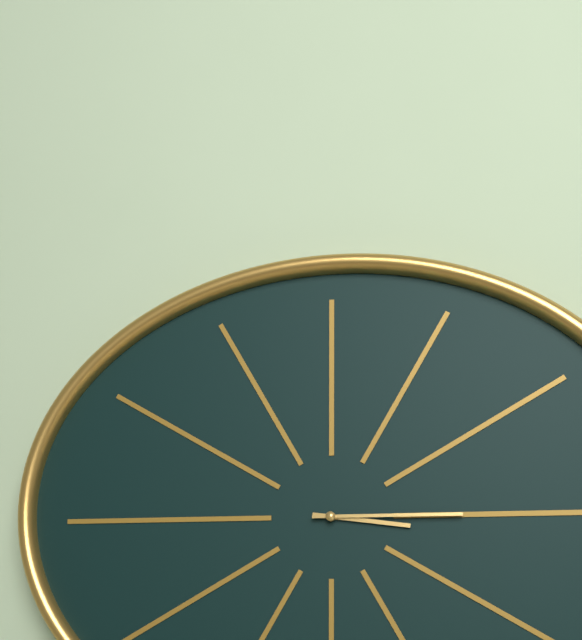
3:15
